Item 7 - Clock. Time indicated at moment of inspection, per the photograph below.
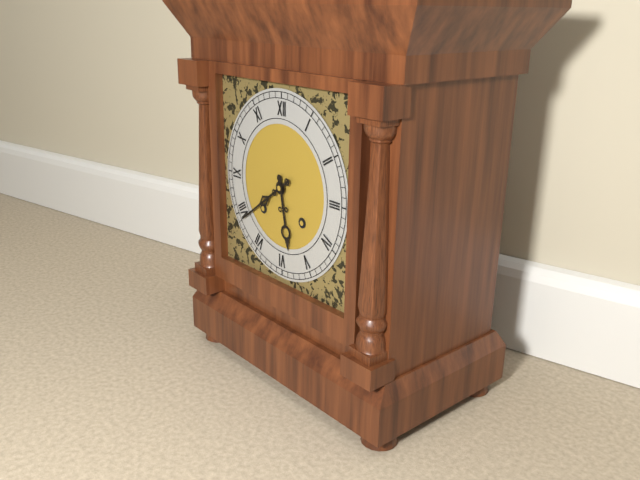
5:39
